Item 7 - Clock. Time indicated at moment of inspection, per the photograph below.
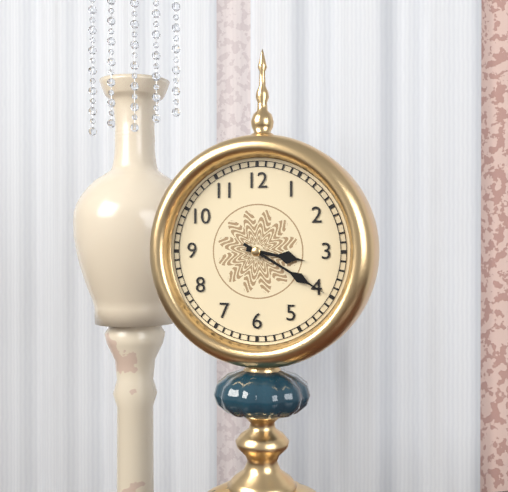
3:20
